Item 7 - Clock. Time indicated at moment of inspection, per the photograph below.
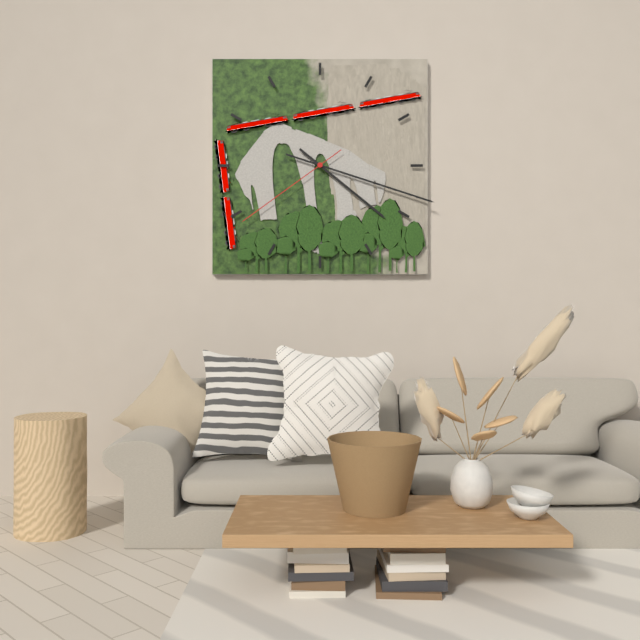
4:18:39
